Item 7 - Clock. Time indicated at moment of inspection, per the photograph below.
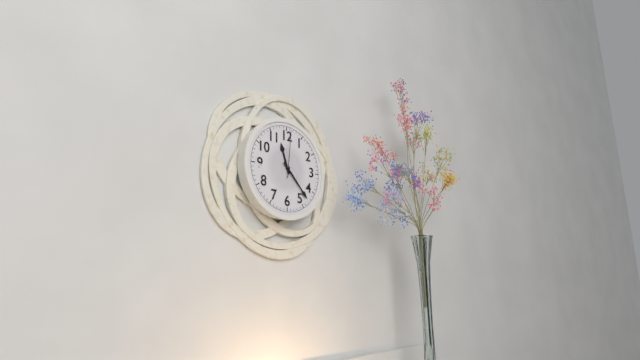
11:23:01
